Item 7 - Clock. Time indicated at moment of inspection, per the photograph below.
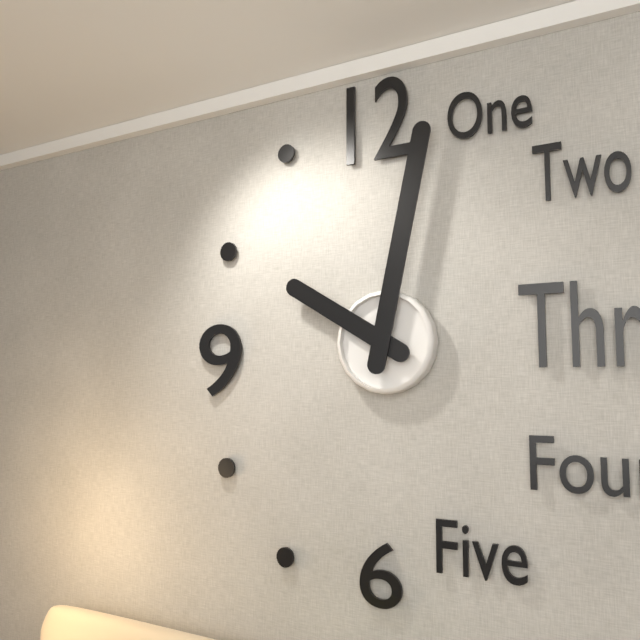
10:02
